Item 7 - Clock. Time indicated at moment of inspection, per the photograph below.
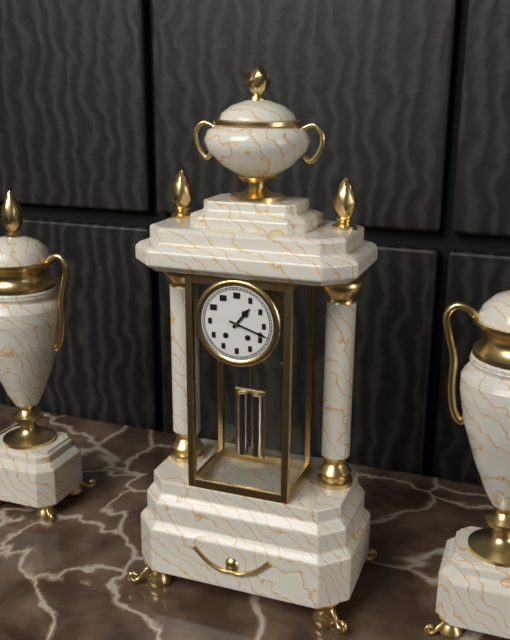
1:18
